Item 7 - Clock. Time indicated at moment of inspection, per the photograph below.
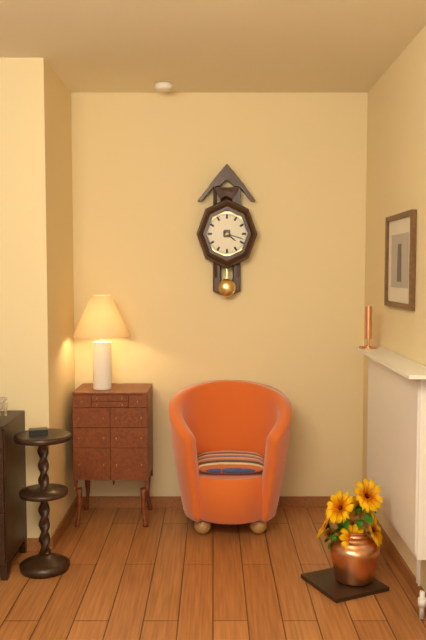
4:18
